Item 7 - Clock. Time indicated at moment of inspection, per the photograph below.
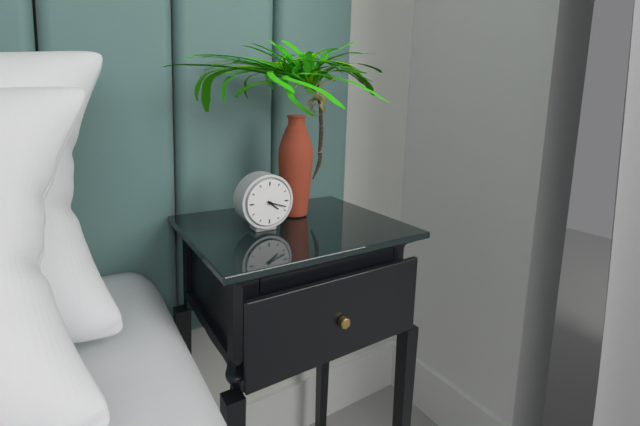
4:18
